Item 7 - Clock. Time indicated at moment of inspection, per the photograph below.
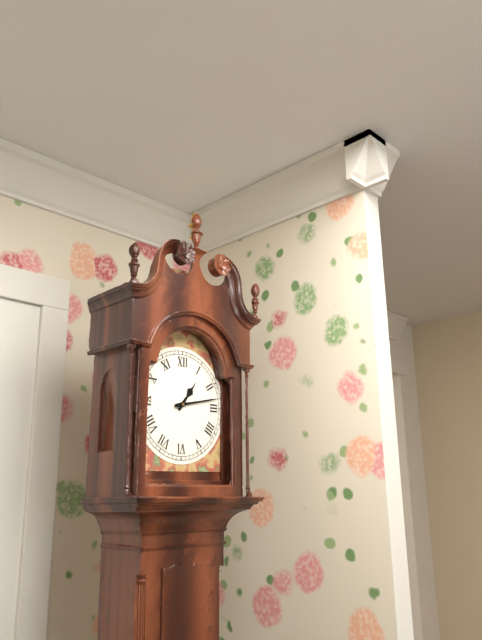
1:13
